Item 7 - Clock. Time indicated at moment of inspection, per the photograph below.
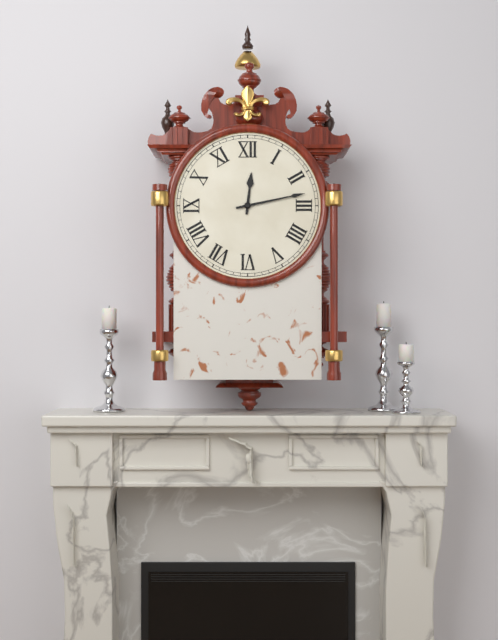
12:13
